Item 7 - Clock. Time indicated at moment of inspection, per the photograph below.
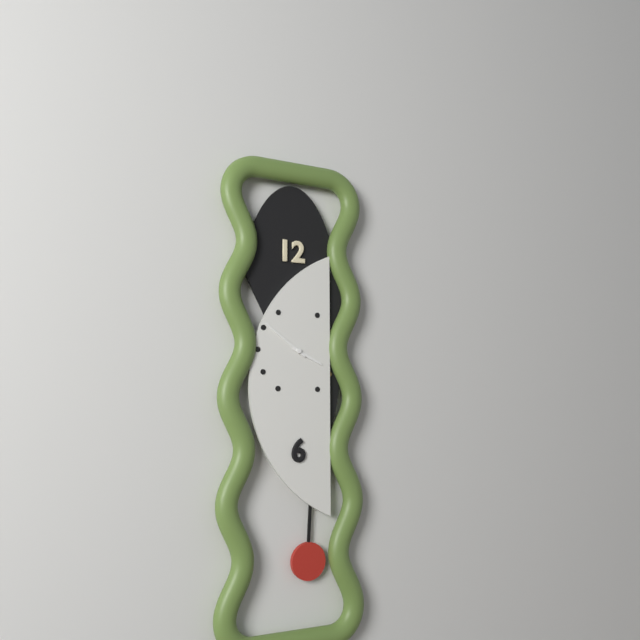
3:51
